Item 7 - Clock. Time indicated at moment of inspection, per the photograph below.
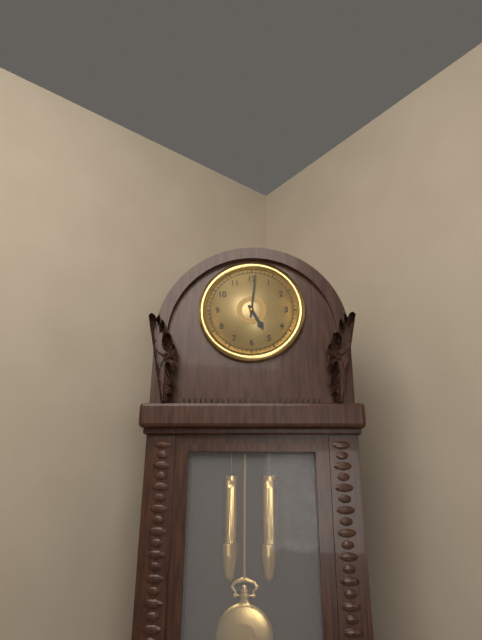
5:01
